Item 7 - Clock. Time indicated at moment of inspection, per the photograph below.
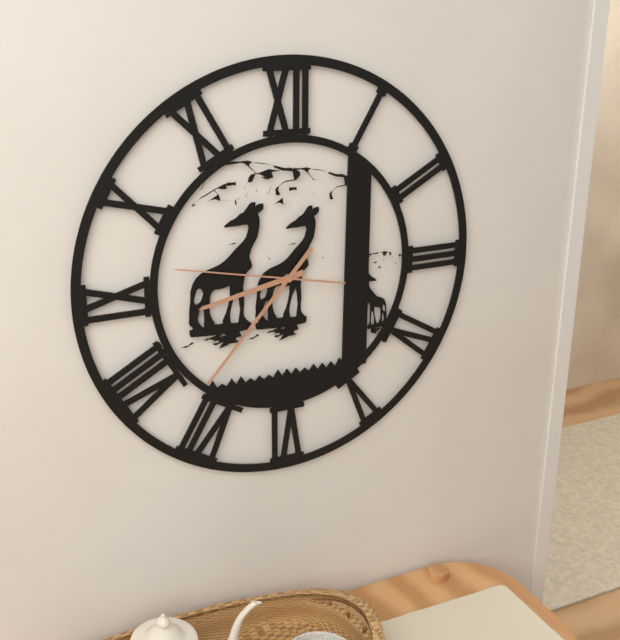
8:37:47
